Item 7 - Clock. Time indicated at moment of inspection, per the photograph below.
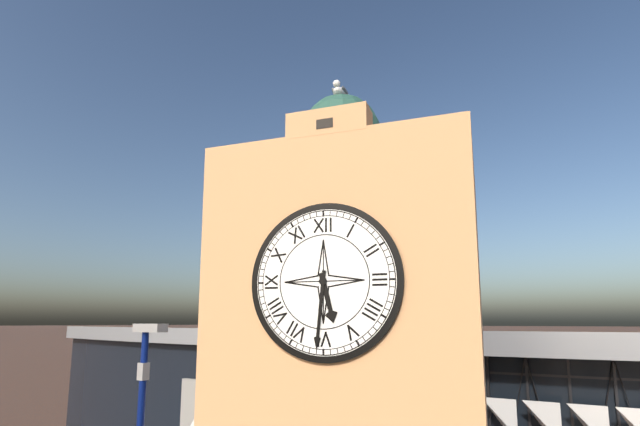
5:31
